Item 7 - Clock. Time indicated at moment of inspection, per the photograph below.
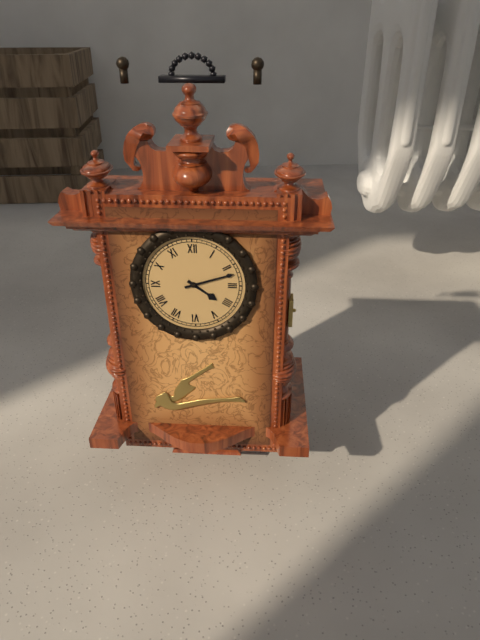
4:12
